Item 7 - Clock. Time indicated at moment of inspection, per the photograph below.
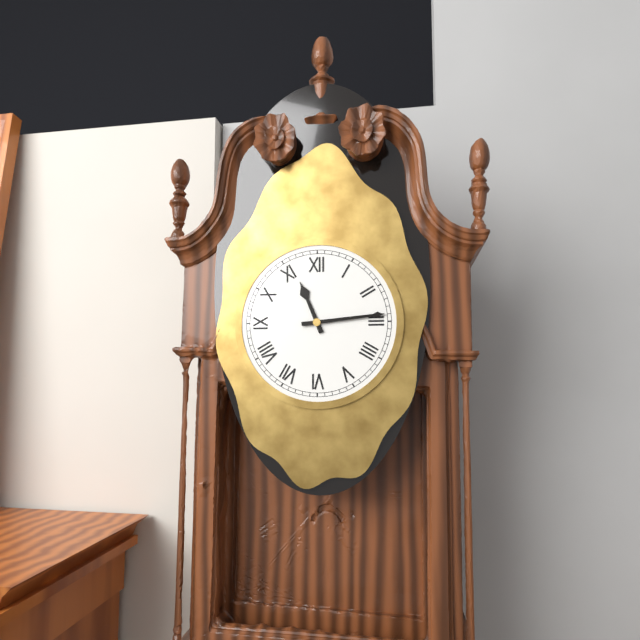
11:14
